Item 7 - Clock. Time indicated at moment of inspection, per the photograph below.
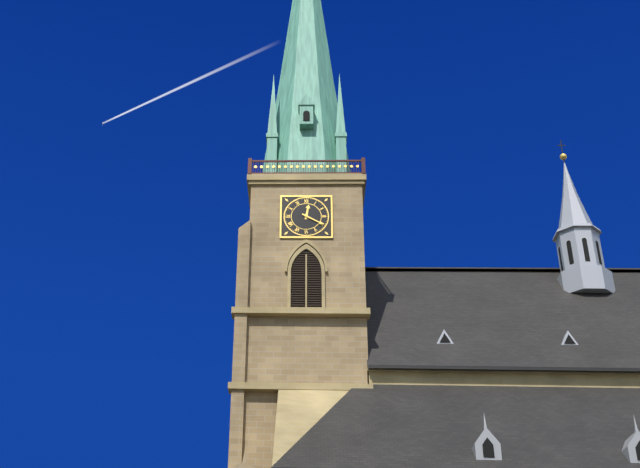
12:20
